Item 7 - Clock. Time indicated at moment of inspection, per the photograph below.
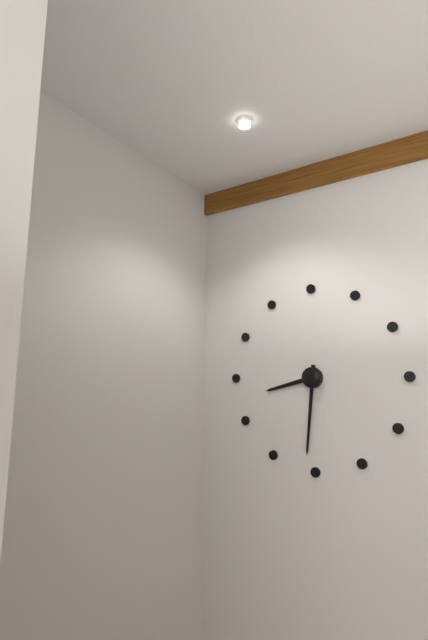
8:31
